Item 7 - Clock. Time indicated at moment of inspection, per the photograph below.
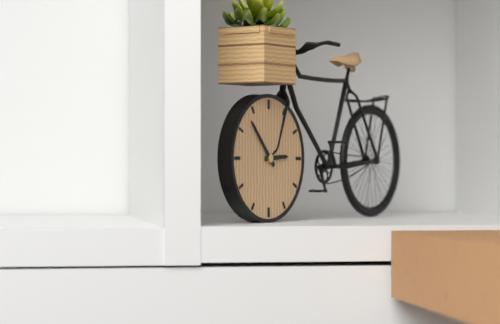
2:53
